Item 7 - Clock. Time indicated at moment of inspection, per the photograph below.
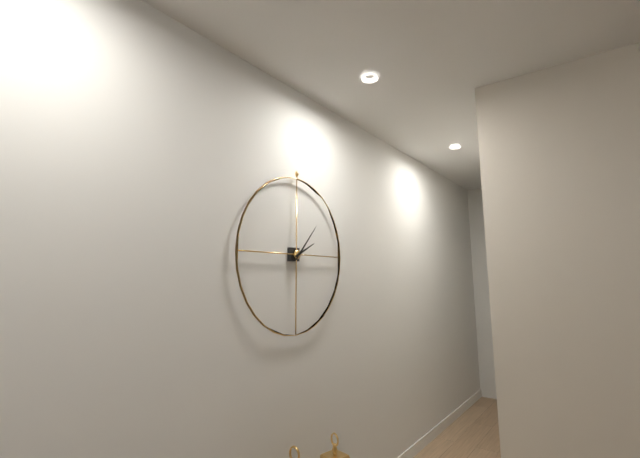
2:07
